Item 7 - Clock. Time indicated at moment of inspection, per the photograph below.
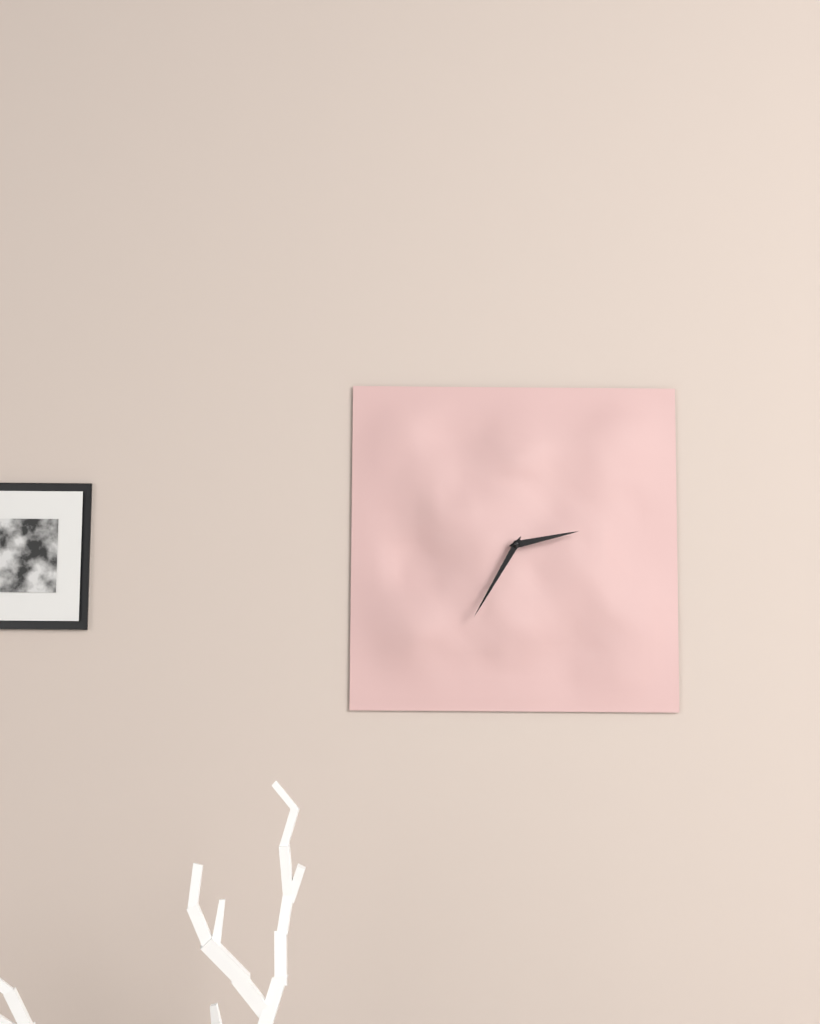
2:35
